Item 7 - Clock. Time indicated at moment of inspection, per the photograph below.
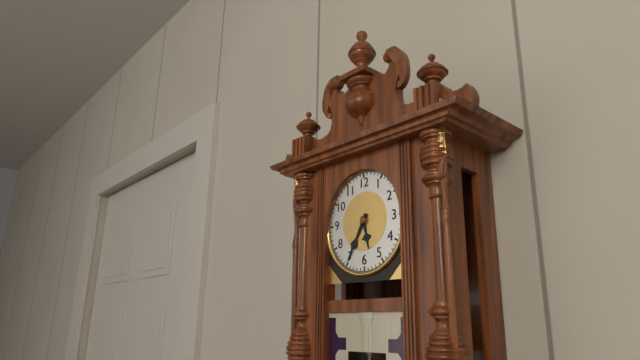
5:35
